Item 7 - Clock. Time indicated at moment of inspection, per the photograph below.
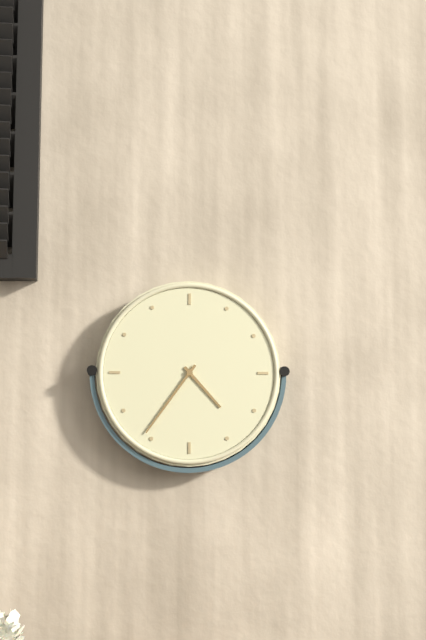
4:36
